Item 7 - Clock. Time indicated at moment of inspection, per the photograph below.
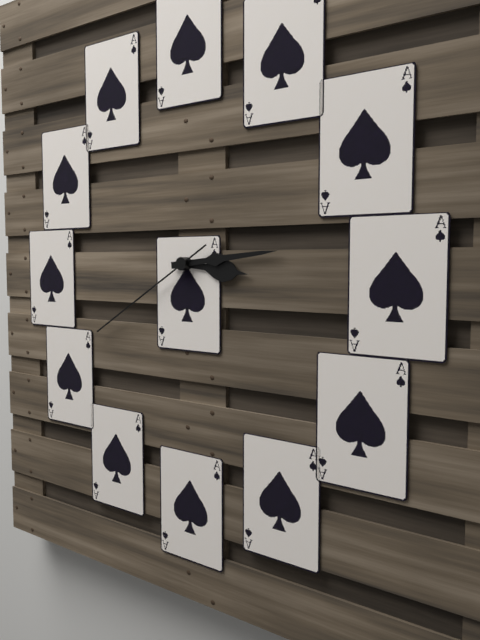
3:14:40
